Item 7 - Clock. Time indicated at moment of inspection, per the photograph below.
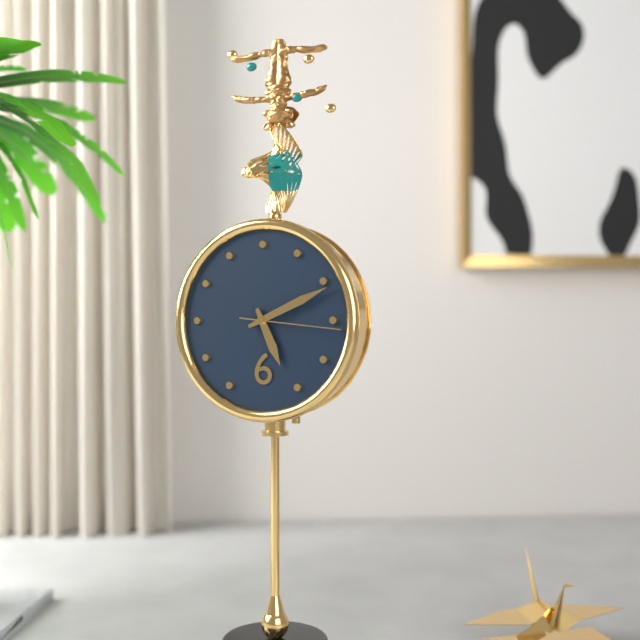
5:11:16
